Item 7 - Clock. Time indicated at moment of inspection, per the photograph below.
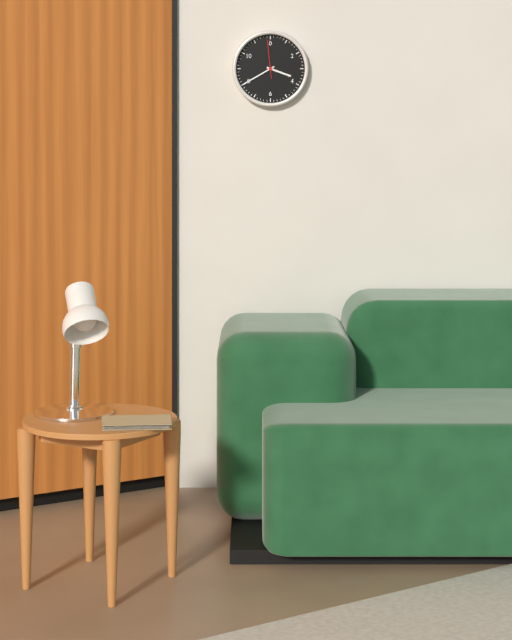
3:40
